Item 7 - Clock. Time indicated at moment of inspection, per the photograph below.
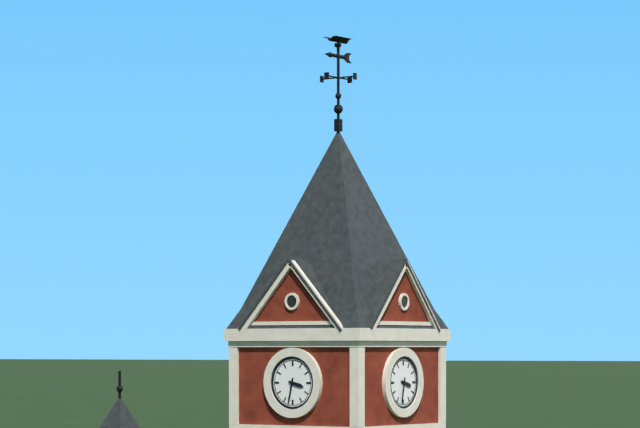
3:32
